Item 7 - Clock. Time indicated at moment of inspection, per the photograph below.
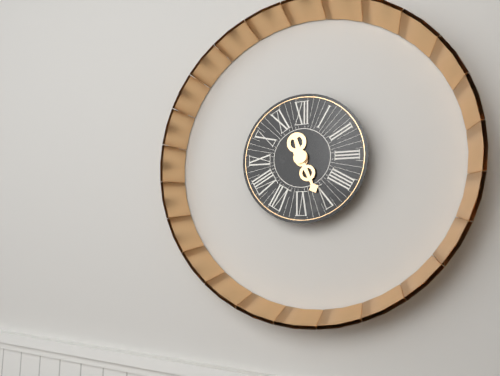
11:26
